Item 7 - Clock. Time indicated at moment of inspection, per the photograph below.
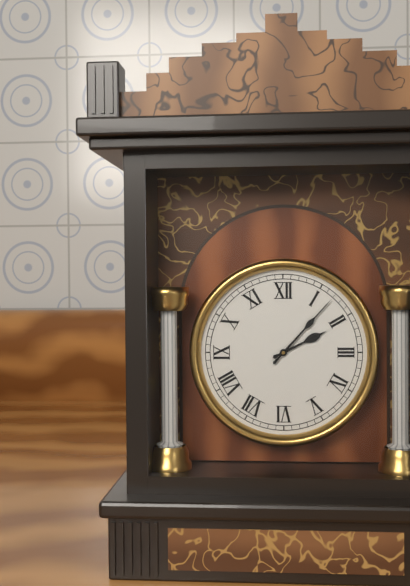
2:07
